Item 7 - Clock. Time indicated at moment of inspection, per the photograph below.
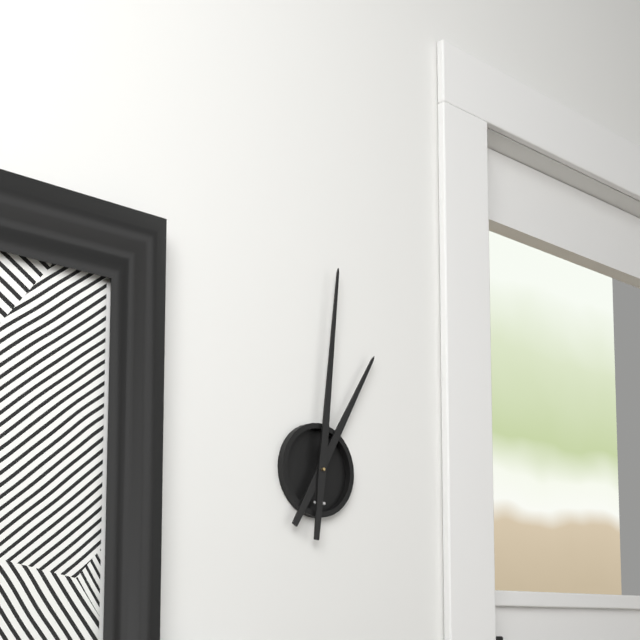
1:01
